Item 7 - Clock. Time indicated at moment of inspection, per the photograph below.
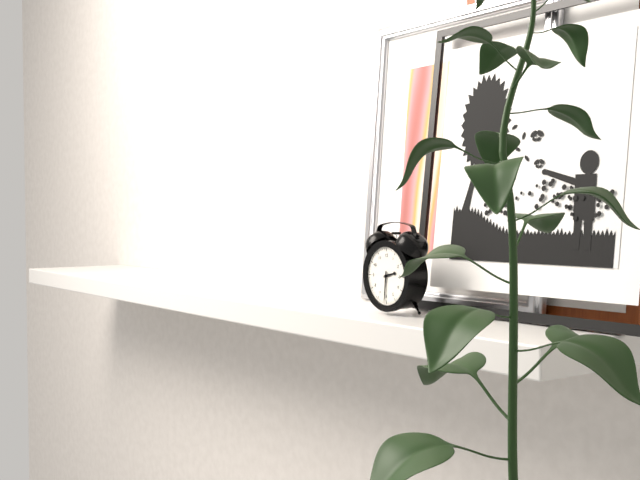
2:31
